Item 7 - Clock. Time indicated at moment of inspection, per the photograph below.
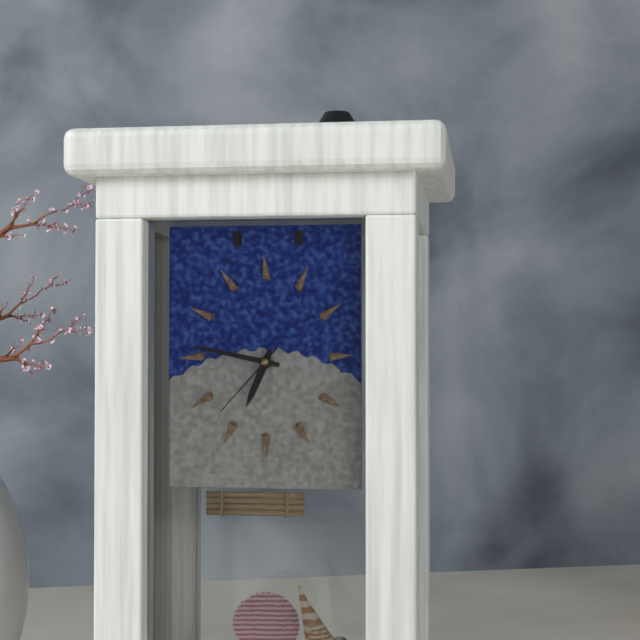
6:47:37
